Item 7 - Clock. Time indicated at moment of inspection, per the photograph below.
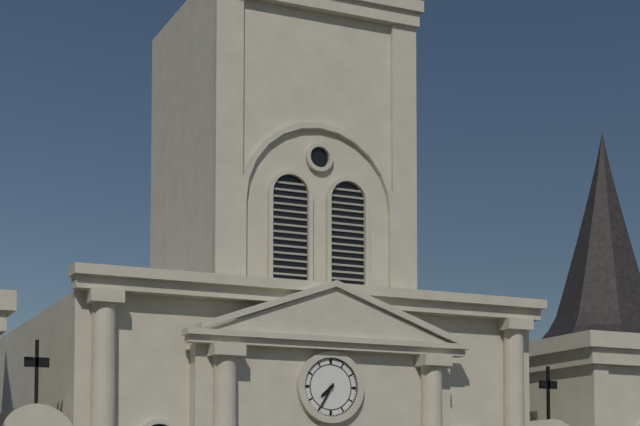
7:35
